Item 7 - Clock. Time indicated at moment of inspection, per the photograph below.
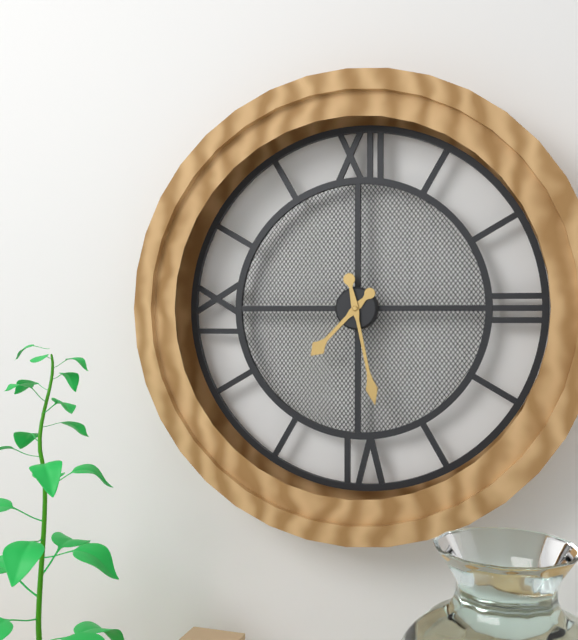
7:28
